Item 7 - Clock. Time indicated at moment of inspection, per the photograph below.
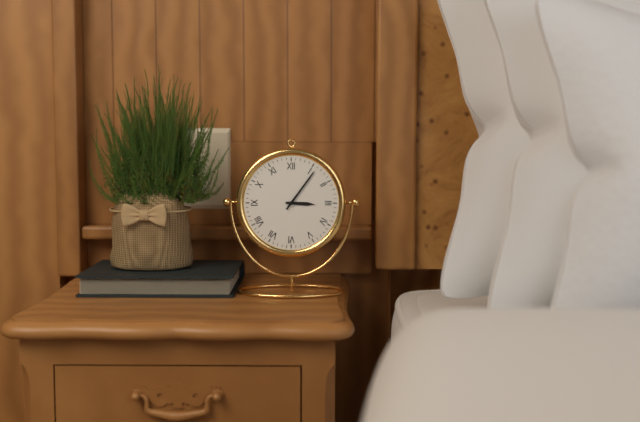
3:06
